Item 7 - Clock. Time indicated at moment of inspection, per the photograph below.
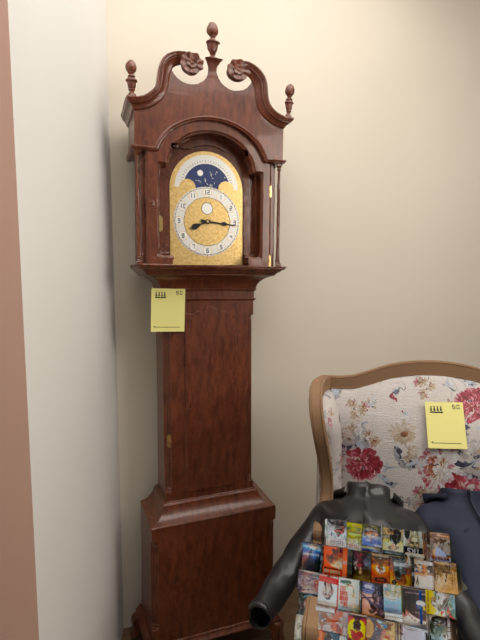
8:16
